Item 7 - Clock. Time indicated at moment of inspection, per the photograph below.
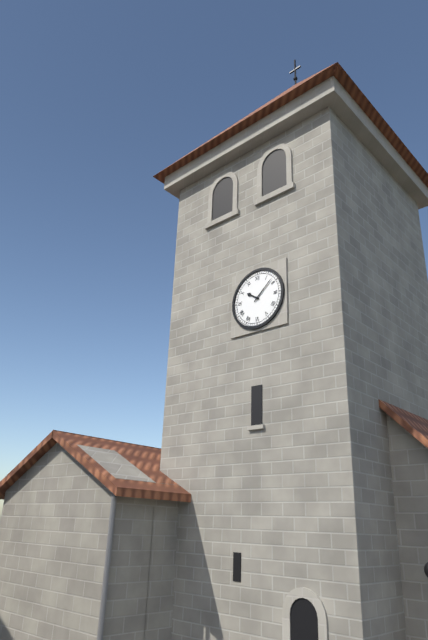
10:08
